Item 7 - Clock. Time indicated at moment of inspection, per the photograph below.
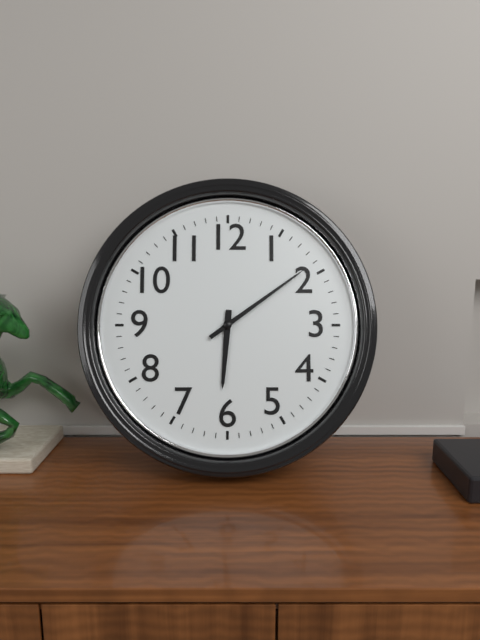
6:09
